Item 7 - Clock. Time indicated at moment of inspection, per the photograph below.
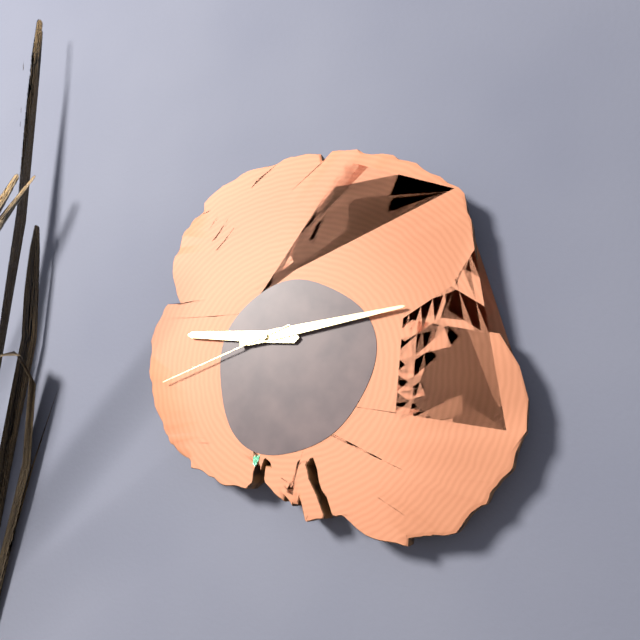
9:14:42
